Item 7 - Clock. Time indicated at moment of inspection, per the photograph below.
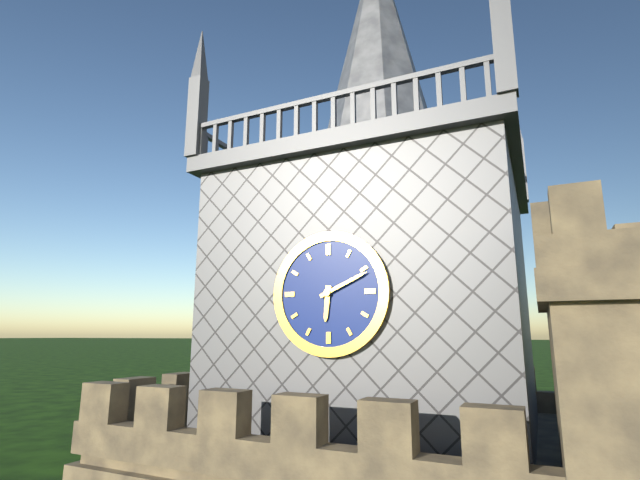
6:11
